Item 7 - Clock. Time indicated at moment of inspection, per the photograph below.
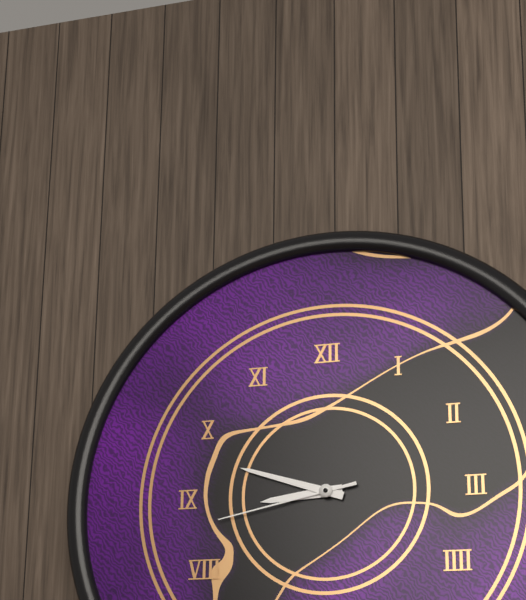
8:48:43
